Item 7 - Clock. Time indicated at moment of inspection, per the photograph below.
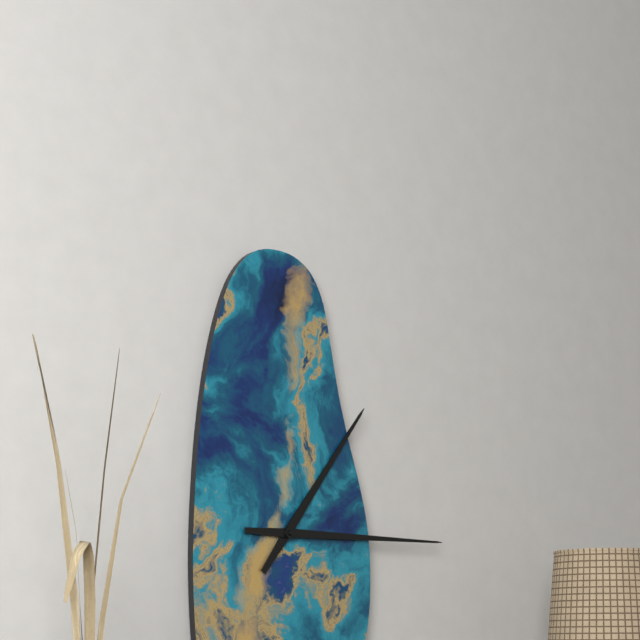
1:15
